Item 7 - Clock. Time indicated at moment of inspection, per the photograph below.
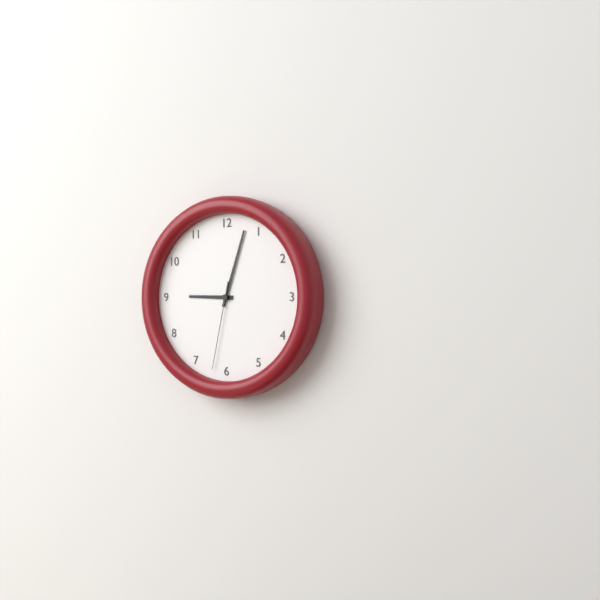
9:03:32
